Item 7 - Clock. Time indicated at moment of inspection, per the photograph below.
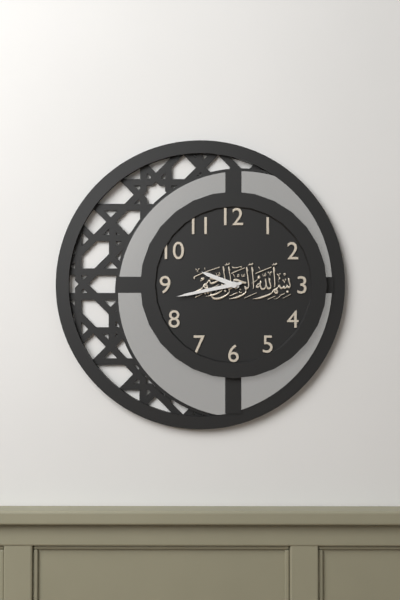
9:43
